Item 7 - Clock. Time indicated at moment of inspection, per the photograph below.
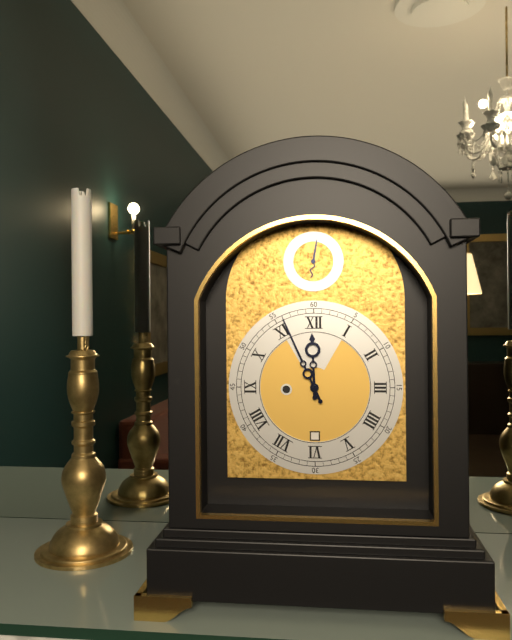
11:56
